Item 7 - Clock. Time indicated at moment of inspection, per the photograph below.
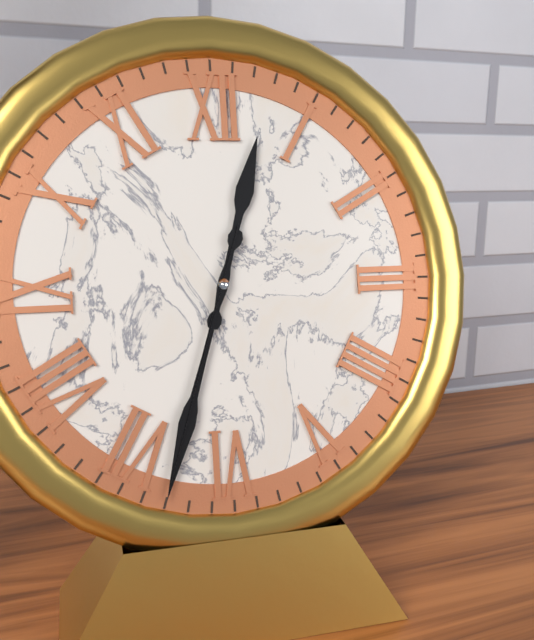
12:33:33
